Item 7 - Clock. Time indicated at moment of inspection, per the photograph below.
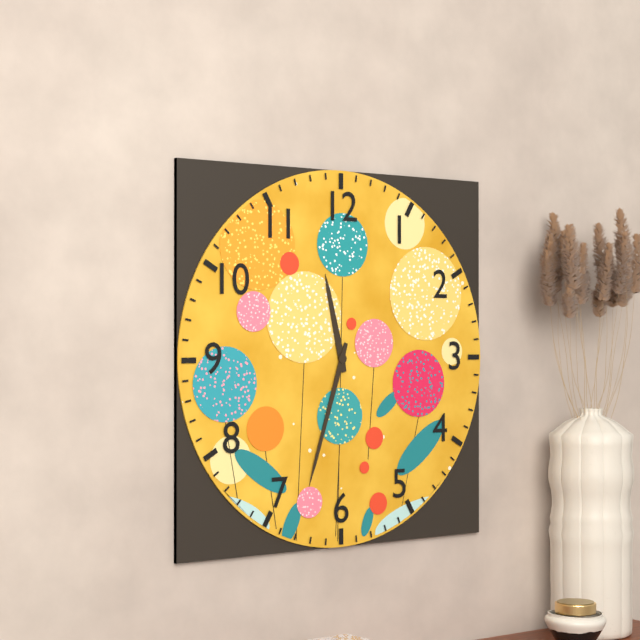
11:33
